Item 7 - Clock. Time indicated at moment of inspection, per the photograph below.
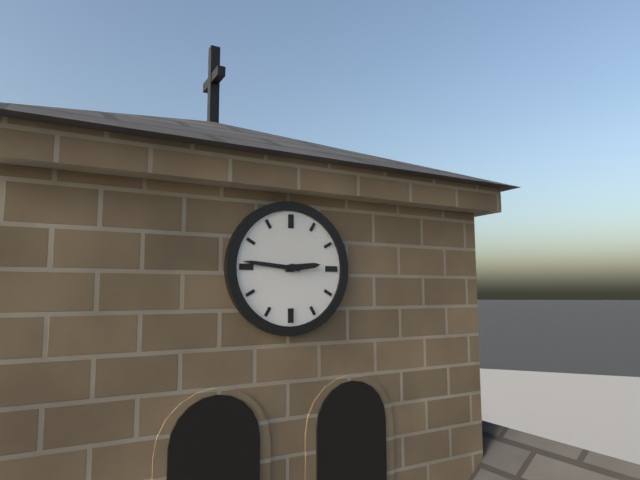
2:46
